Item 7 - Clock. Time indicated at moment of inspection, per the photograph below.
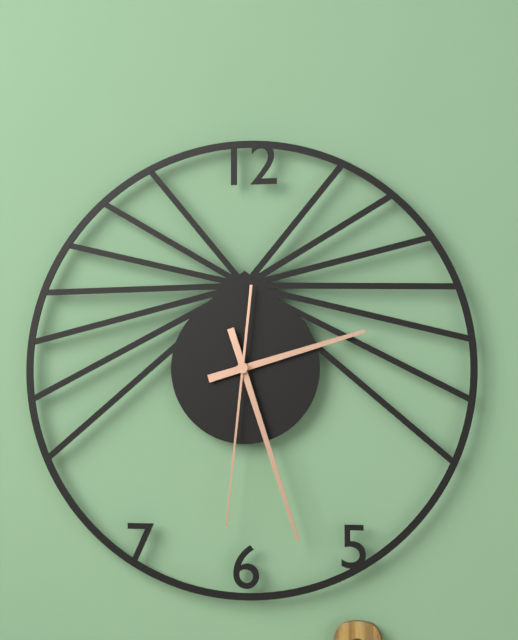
2:27:31
